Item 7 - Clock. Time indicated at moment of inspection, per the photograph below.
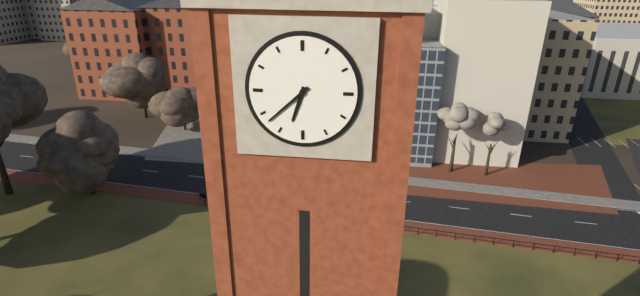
6:38
